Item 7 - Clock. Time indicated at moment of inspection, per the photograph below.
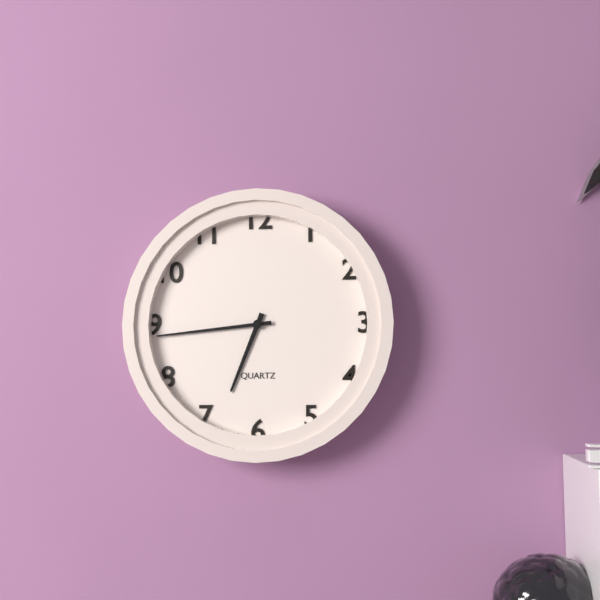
6:44
